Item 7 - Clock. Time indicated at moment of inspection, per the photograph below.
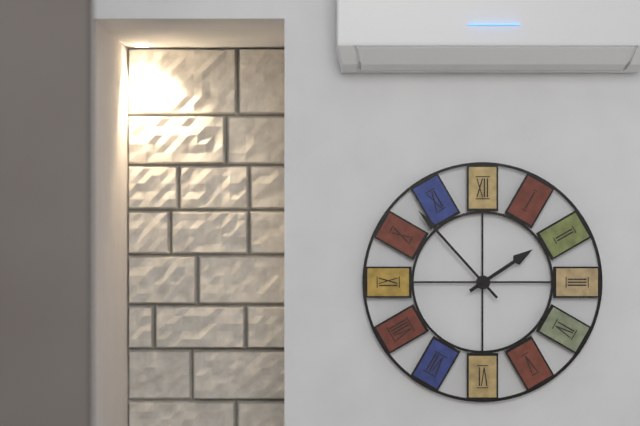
1:53
